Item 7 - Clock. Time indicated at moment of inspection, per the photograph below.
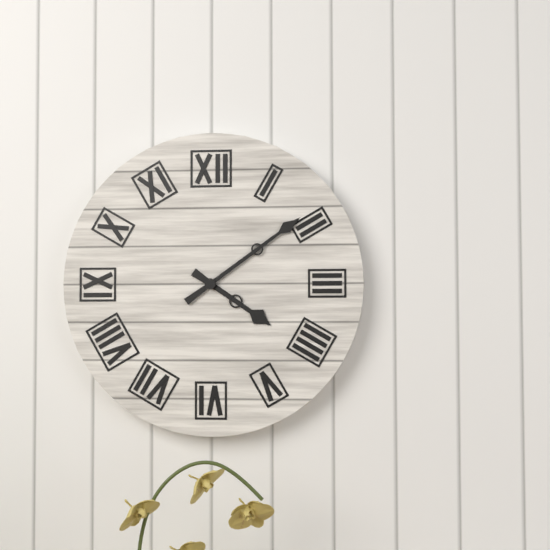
4:09
